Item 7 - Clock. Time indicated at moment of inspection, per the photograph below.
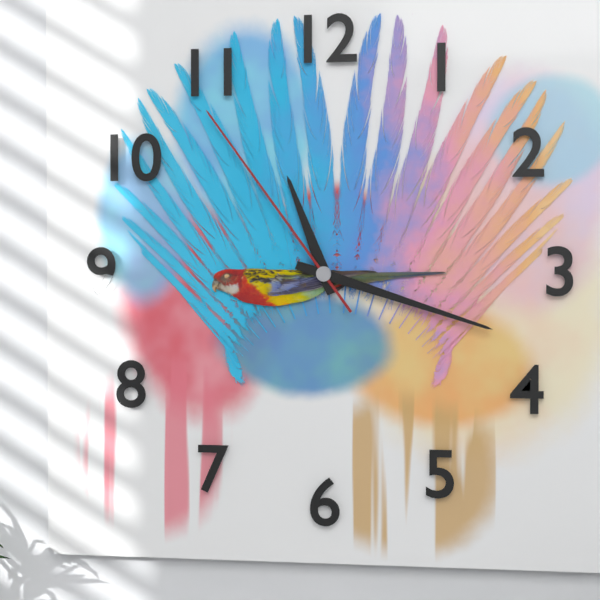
11:18:54
